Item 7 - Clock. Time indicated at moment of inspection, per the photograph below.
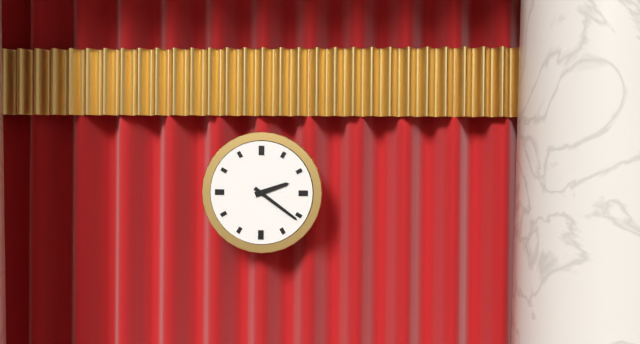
2:21
